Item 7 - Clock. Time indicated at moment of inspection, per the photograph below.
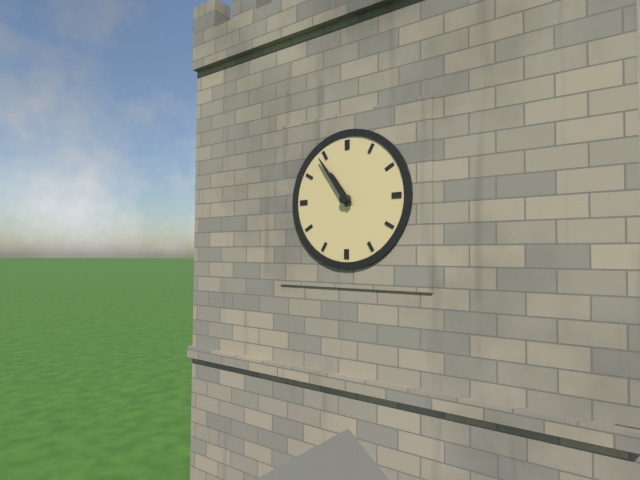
10:54
